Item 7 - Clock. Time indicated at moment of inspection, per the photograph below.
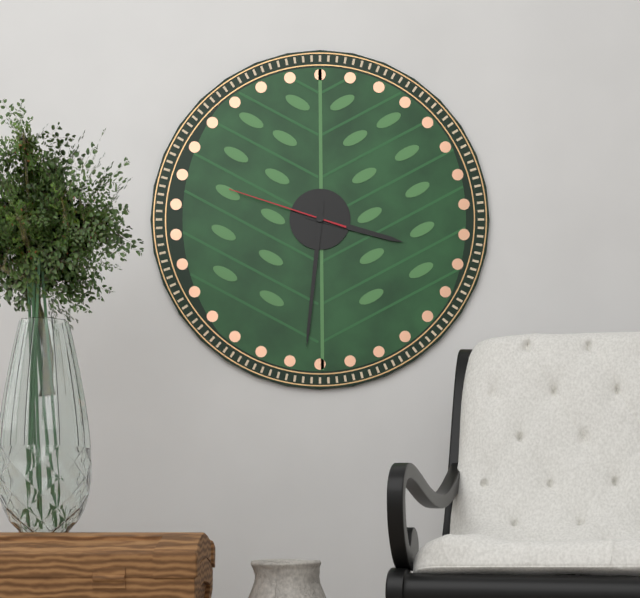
3:31:48
